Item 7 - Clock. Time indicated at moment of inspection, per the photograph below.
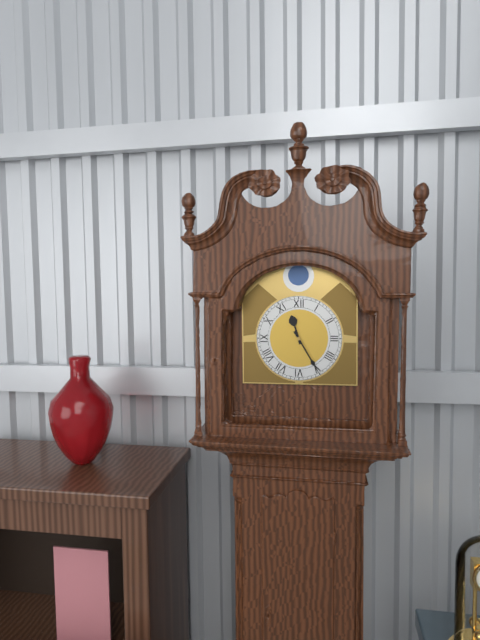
11:25
